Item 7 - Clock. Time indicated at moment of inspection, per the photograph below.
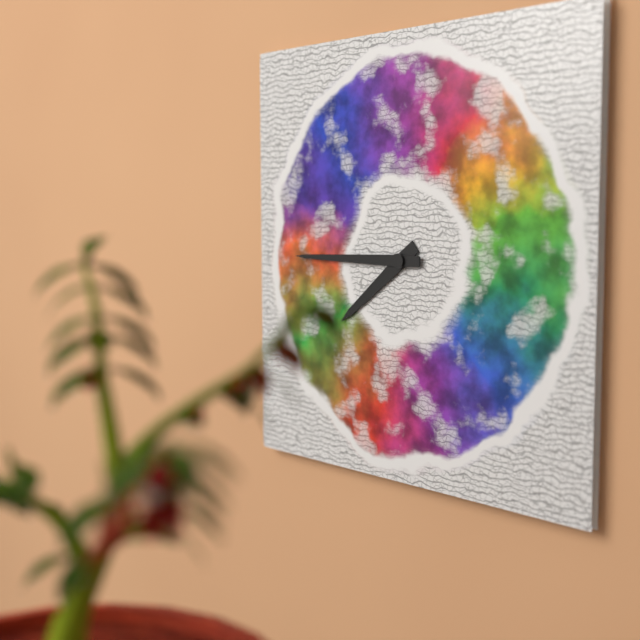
7:45
